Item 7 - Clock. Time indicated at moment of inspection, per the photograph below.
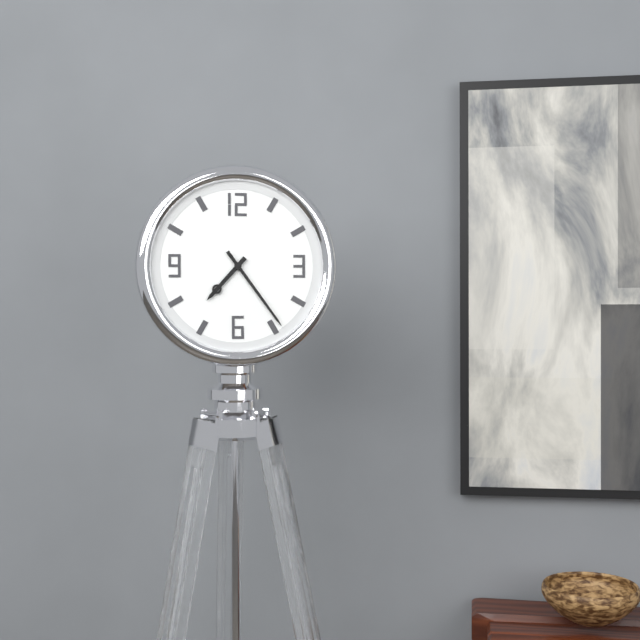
7:24
